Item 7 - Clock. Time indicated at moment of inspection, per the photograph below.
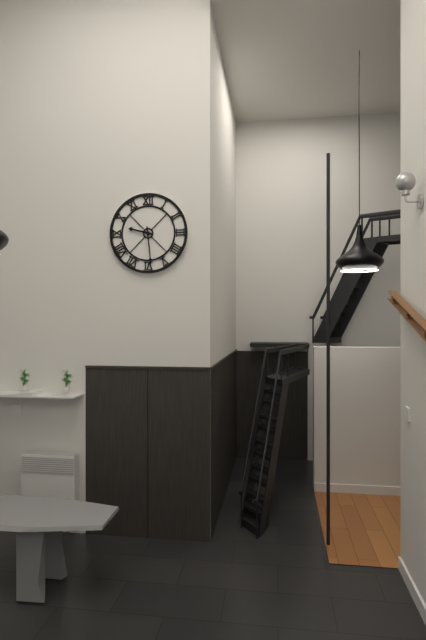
9:29
